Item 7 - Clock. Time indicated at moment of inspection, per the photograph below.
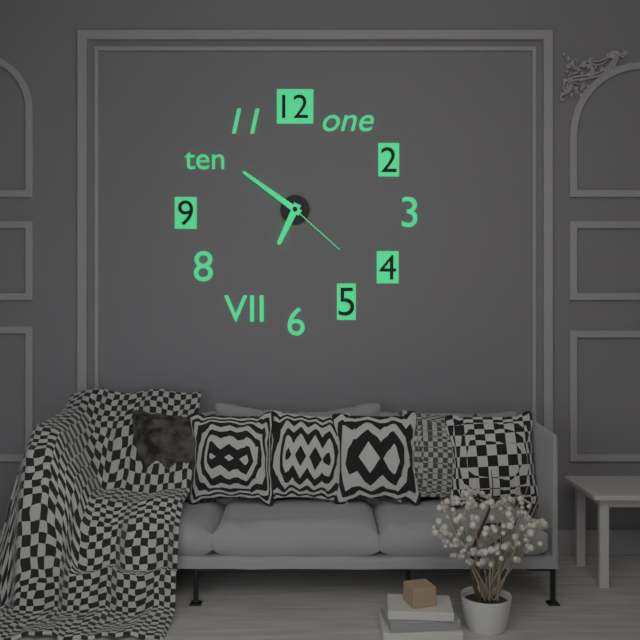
6:51:22
